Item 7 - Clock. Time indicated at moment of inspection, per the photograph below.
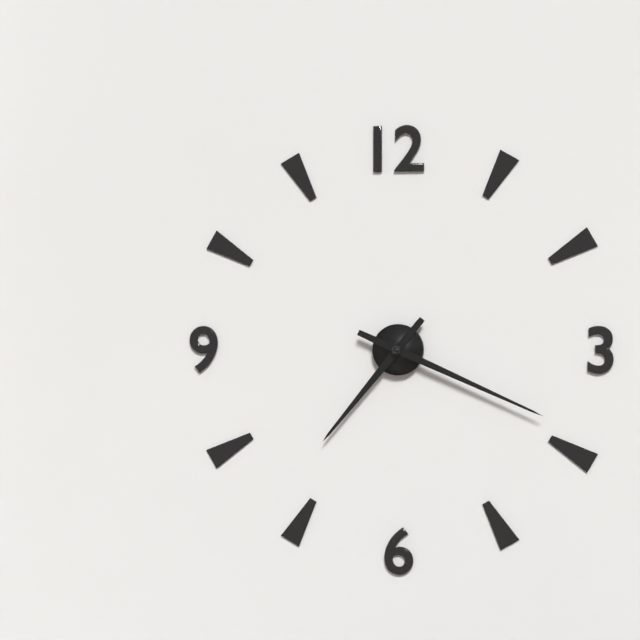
7:19
